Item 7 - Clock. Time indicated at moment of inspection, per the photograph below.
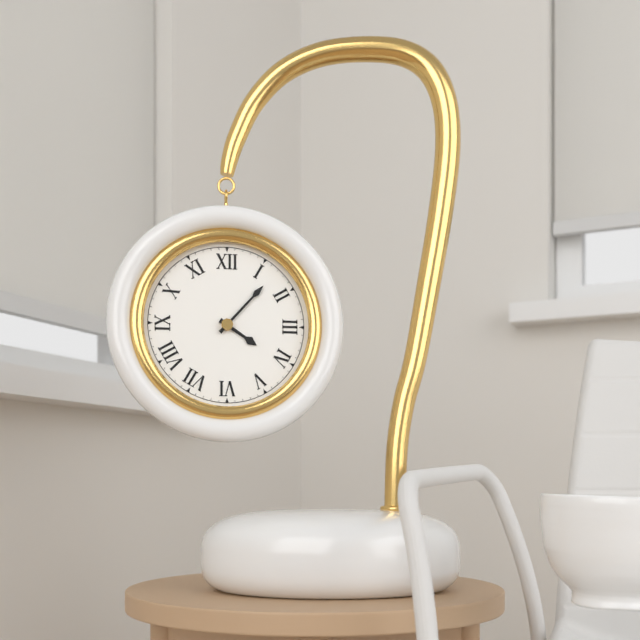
4:07
